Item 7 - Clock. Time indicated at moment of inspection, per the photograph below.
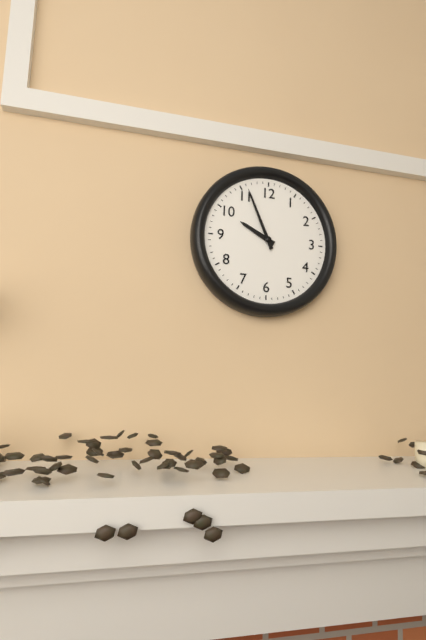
9:56
